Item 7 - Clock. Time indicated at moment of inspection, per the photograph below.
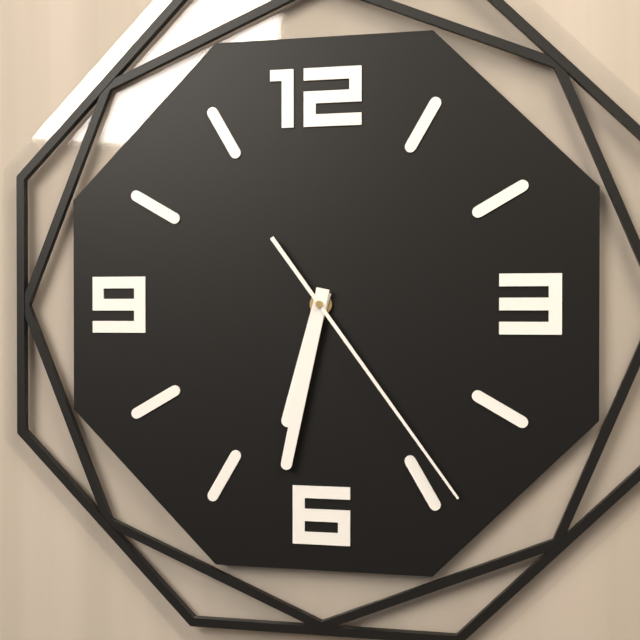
6:32:24
